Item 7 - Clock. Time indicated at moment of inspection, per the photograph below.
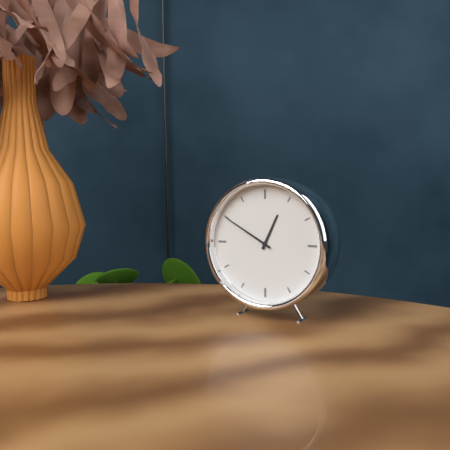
12:50
